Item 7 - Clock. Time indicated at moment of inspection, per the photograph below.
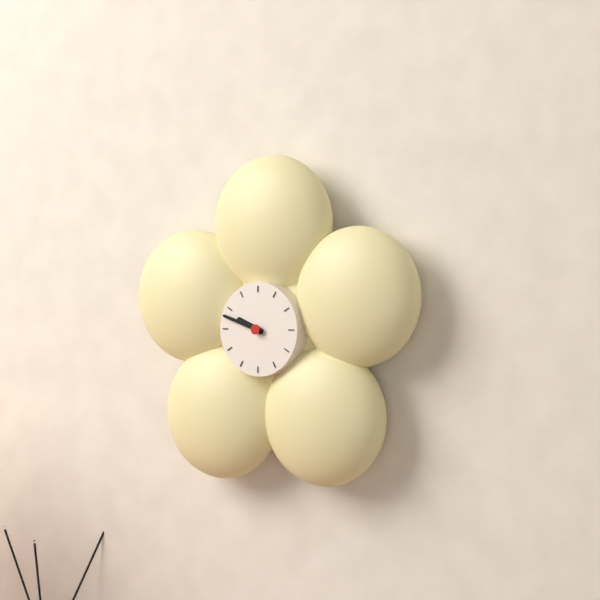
9:48
